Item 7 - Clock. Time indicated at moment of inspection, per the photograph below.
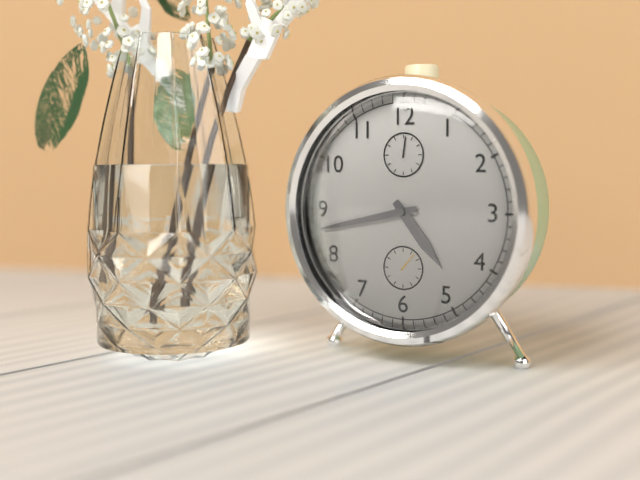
4:43
